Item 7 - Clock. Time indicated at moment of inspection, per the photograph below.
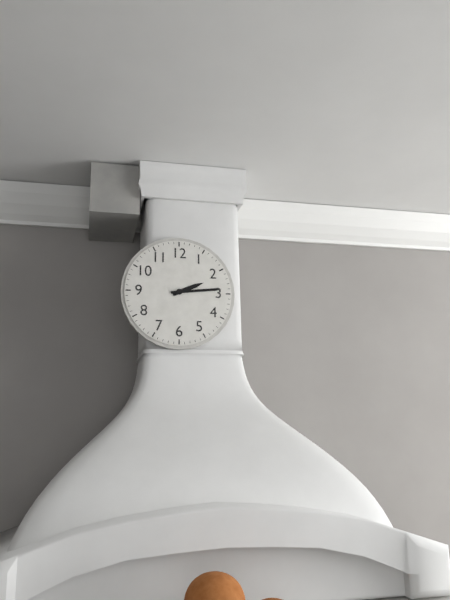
2:14
